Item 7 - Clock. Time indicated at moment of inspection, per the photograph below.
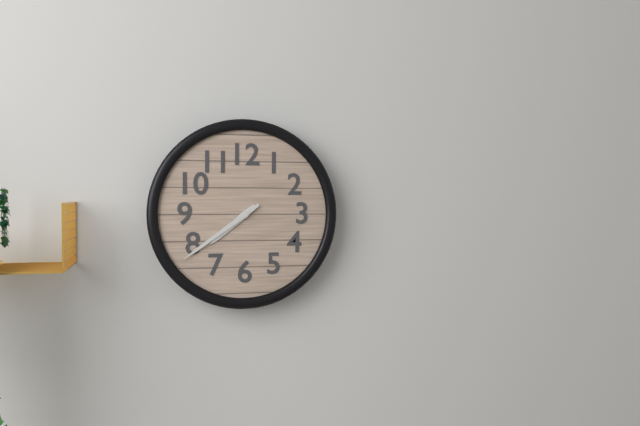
7:39
